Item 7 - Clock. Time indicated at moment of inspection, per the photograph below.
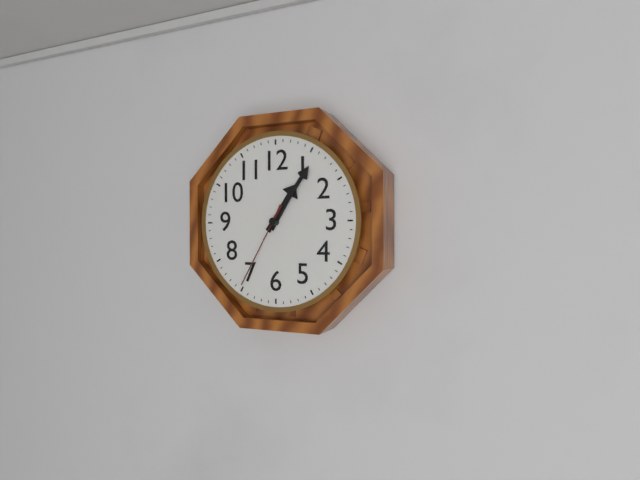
1:06:35
